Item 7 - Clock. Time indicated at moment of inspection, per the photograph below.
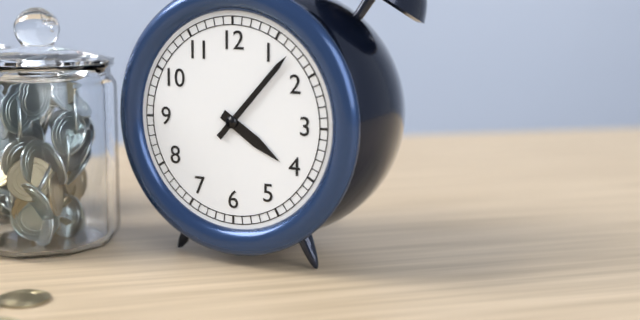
4:07
